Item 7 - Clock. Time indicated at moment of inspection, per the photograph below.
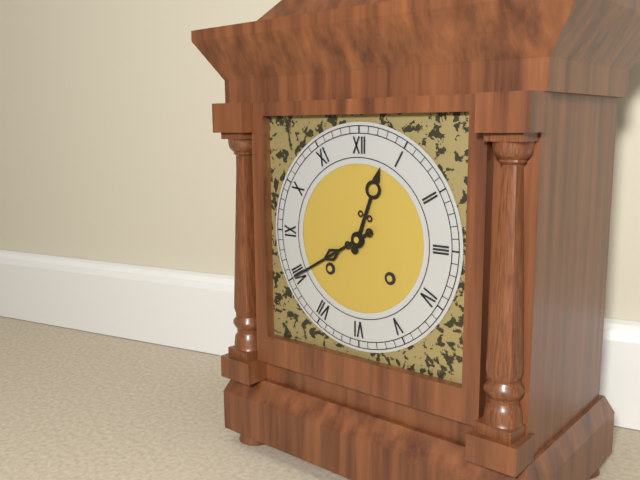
12:40
